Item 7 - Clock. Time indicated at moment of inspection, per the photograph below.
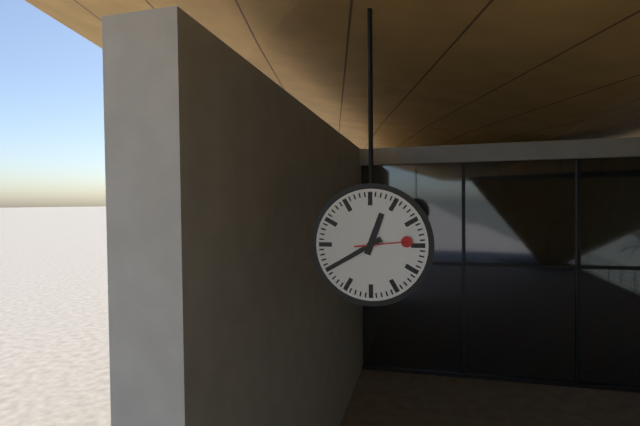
12:40:14
